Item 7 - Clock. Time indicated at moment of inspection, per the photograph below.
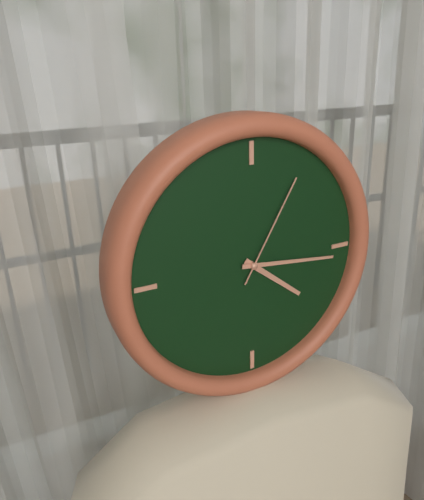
4:16:05
